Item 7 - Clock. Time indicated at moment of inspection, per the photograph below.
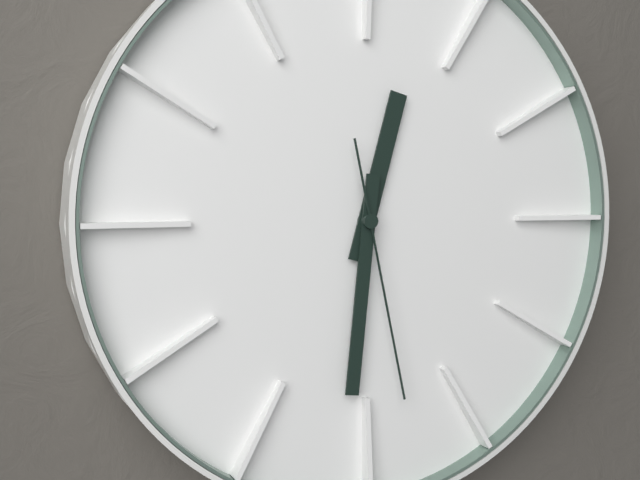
12:31:28
